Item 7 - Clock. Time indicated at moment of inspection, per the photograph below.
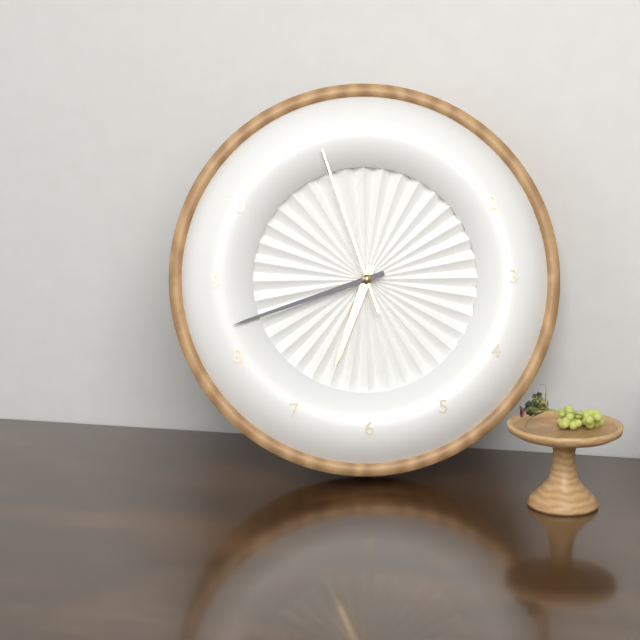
6:42:57
